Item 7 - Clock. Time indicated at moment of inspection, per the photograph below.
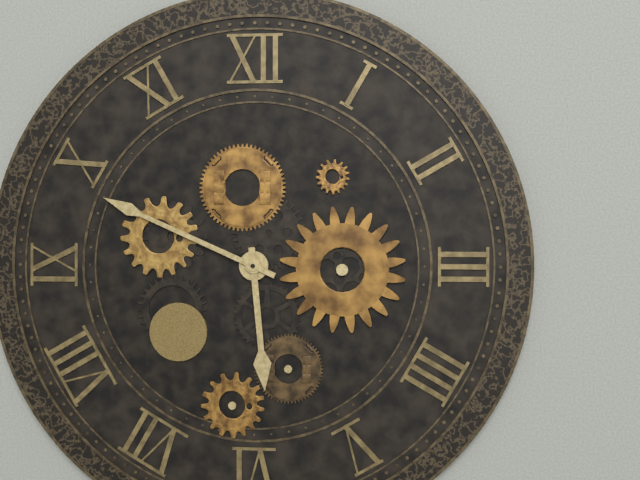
5:49
